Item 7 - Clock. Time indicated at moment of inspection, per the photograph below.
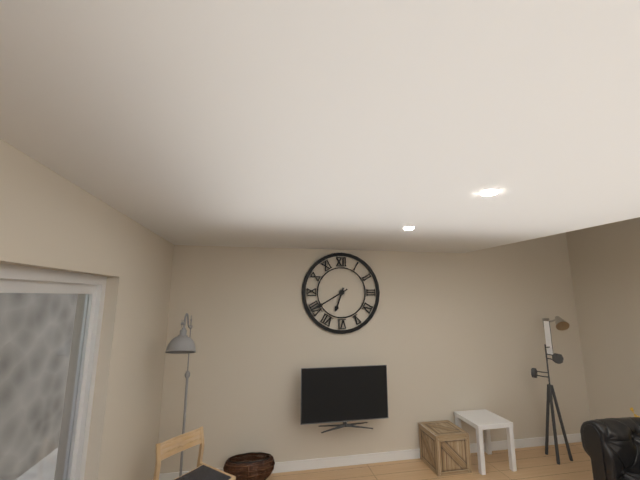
6:40
